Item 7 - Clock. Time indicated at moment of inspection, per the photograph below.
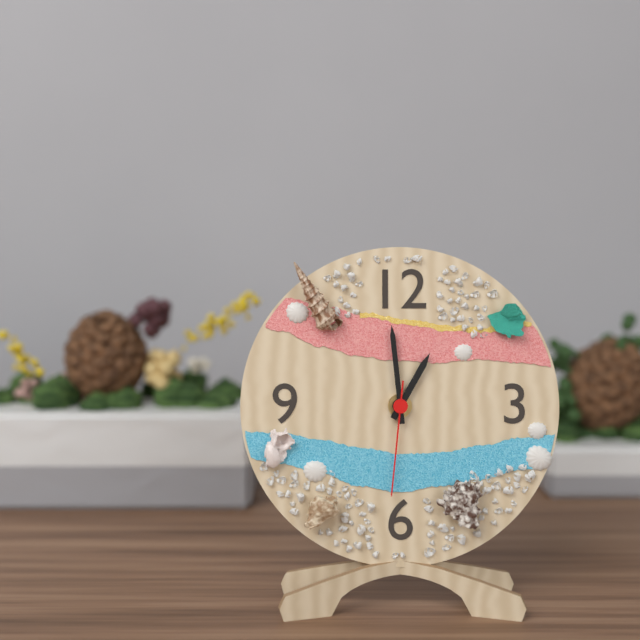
12:59:31
